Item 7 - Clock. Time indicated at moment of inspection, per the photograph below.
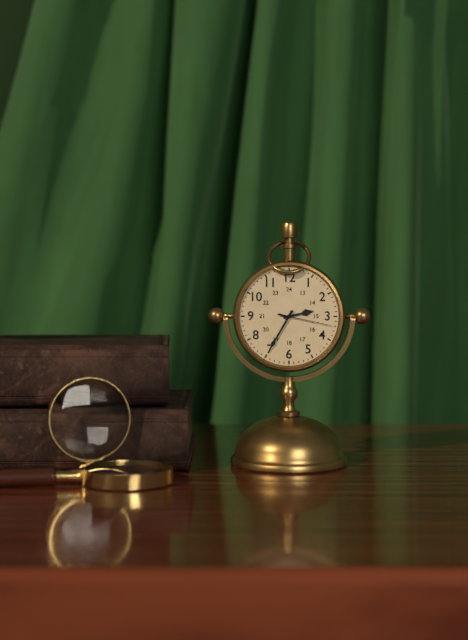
2:35:17
